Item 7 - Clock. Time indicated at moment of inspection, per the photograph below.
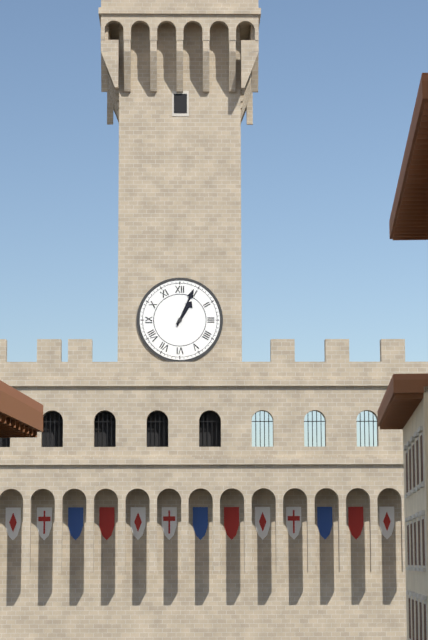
1:04
